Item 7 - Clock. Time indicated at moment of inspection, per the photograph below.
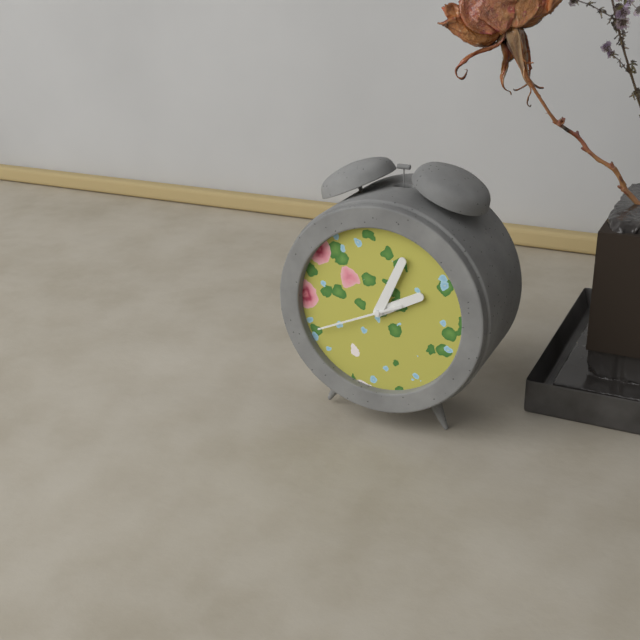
2:04:41
